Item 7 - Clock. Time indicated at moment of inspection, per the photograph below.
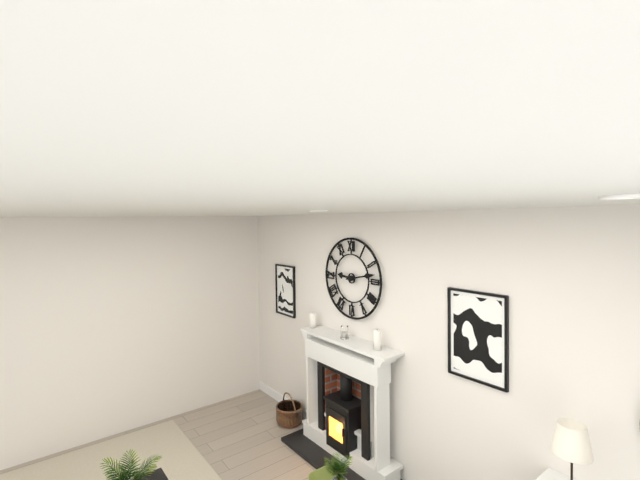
9:13
